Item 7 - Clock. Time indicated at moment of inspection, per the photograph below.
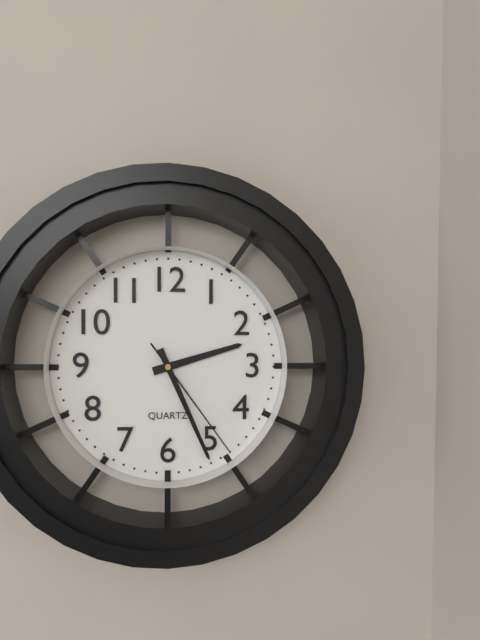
2:26:24
